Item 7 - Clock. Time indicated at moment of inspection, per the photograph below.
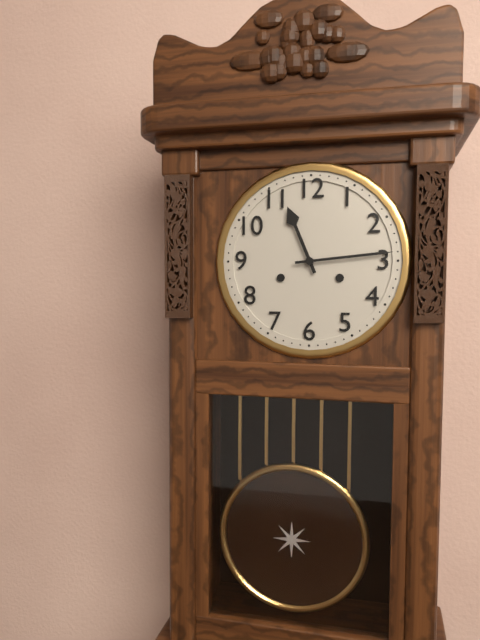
11:14
